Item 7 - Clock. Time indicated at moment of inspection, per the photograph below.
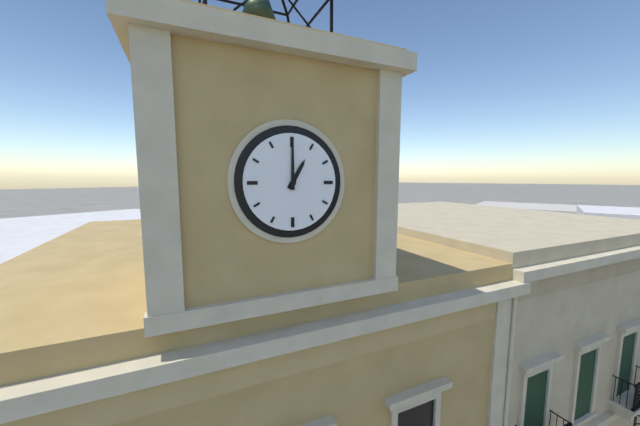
1:00
